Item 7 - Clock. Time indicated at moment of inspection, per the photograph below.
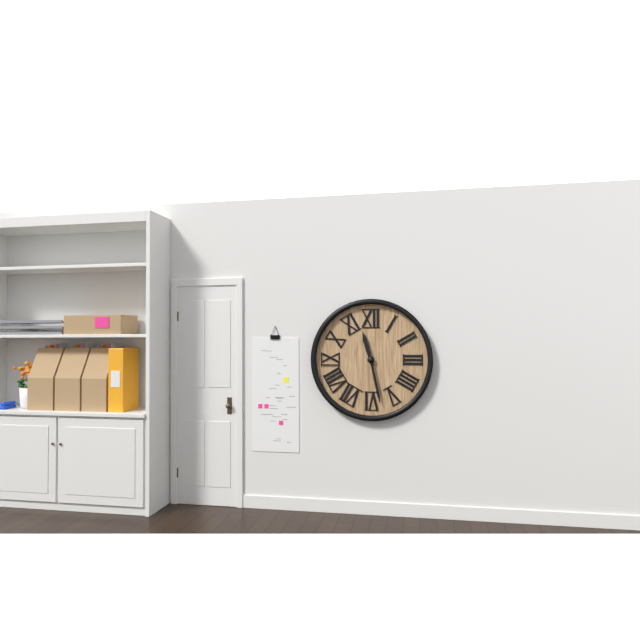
11:28
